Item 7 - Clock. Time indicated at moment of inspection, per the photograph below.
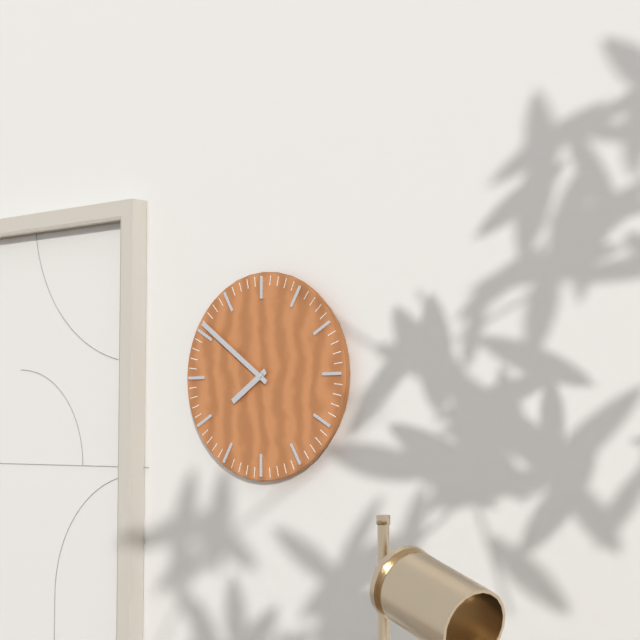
7:51
